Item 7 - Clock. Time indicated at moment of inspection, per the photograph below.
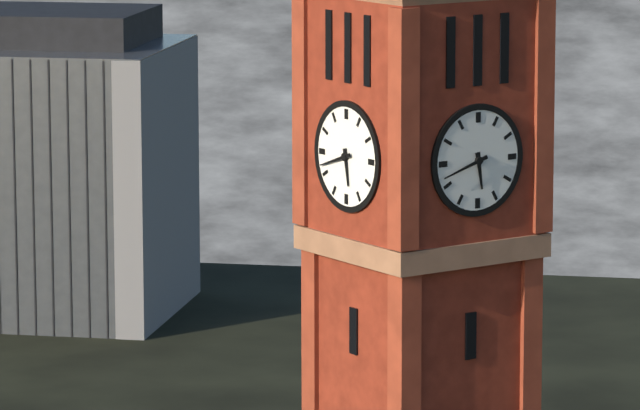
5:42
